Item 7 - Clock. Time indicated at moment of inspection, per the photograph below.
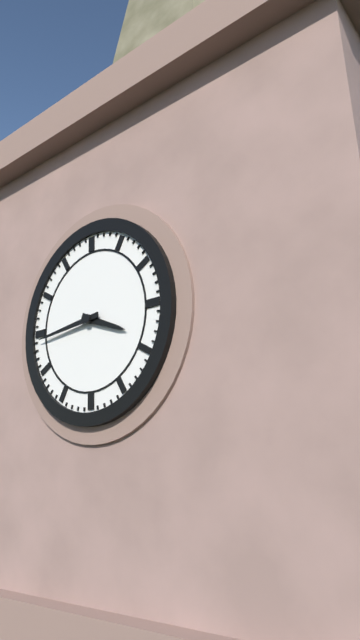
3:44
